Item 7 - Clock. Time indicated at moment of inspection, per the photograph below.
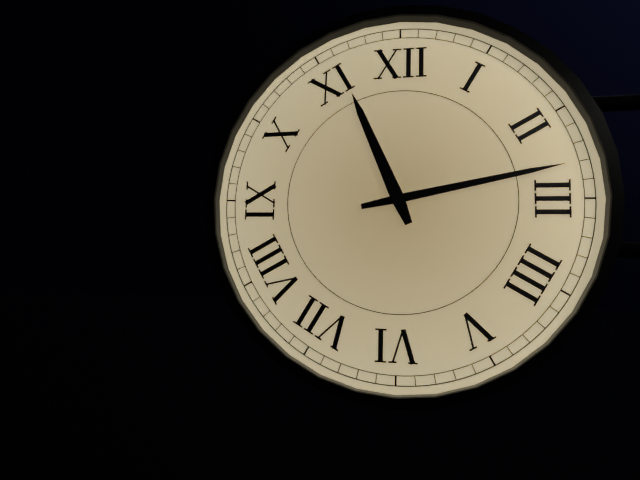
11:13
